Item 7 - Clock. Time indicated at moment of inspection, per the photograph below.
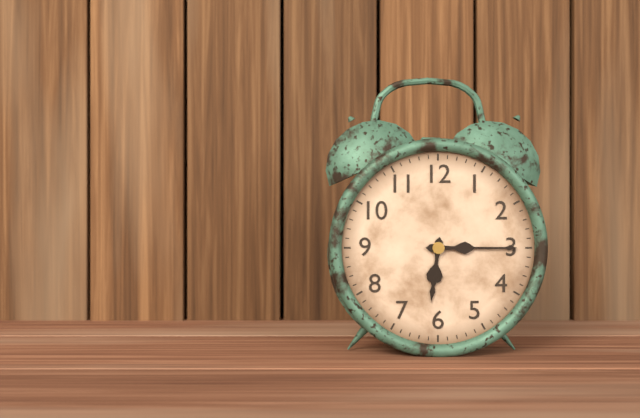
6:15
